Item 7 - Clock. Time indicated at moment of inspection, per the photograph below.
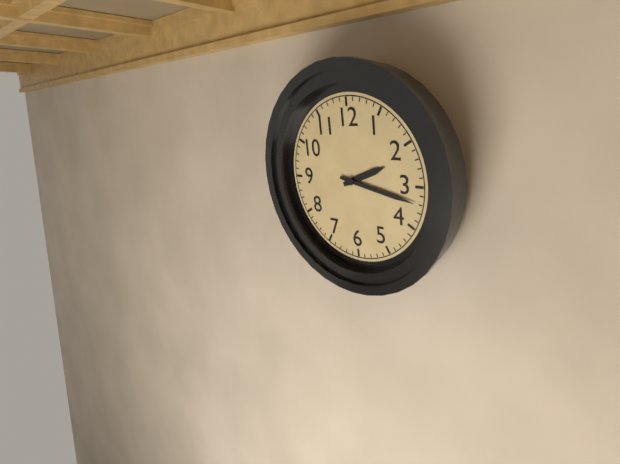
2:17
